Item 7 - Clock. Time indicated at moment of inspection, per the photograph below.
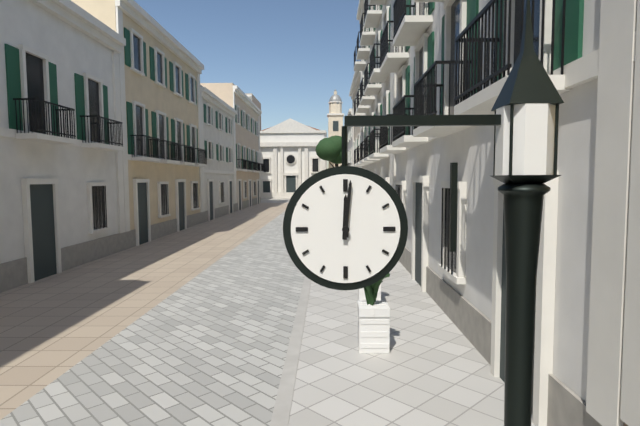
12:01
